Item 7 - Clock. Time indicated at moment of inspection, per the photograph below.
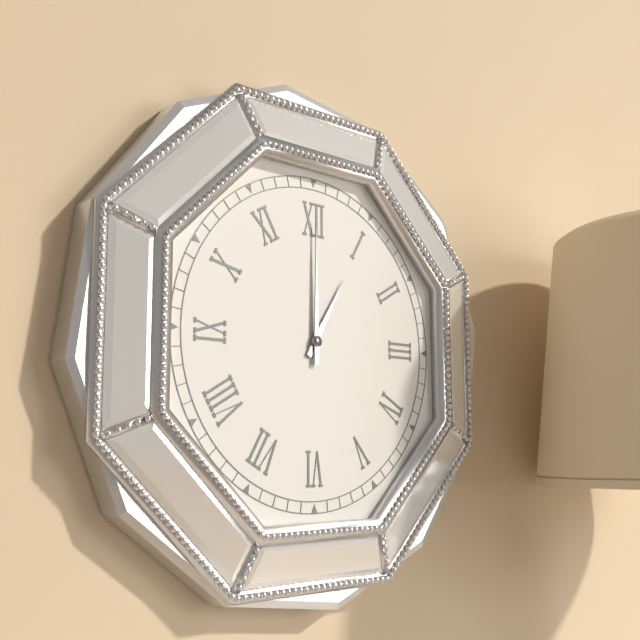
1:00
